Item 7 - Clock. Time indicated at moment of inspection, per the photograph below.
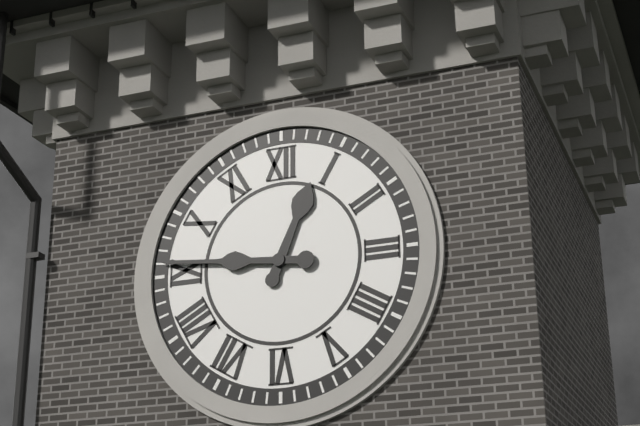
12:46
